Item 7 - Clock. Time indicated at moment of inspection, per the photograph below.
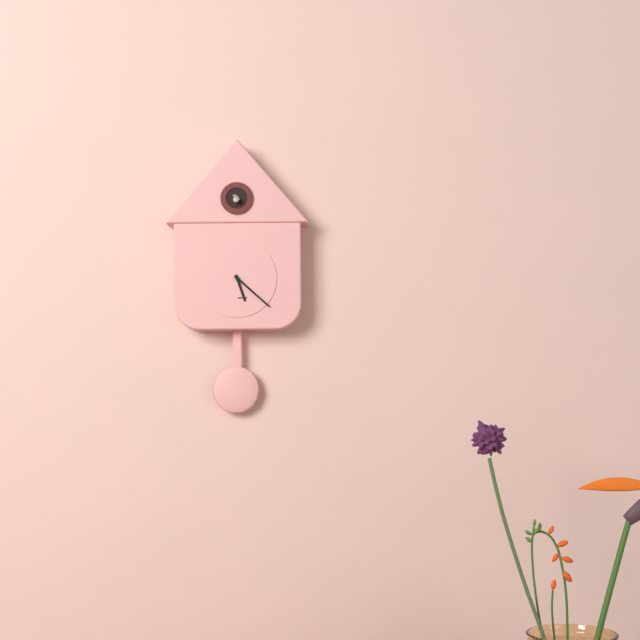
5:22
